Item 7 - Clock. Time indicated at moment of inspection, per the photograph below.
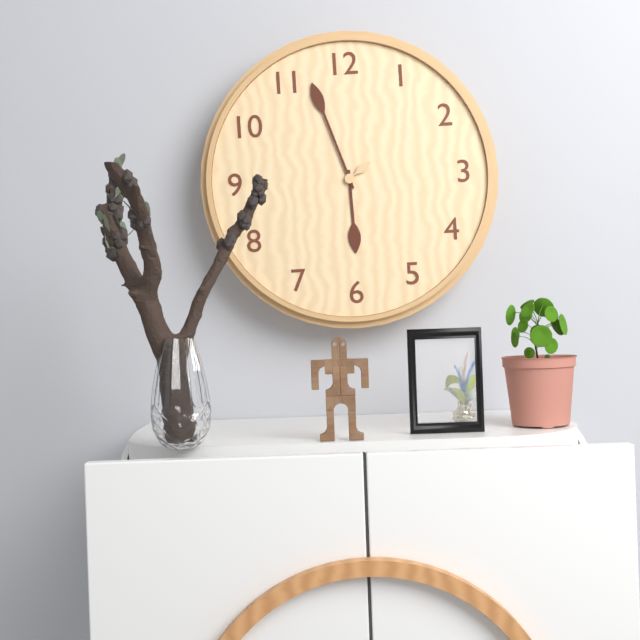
5:57
